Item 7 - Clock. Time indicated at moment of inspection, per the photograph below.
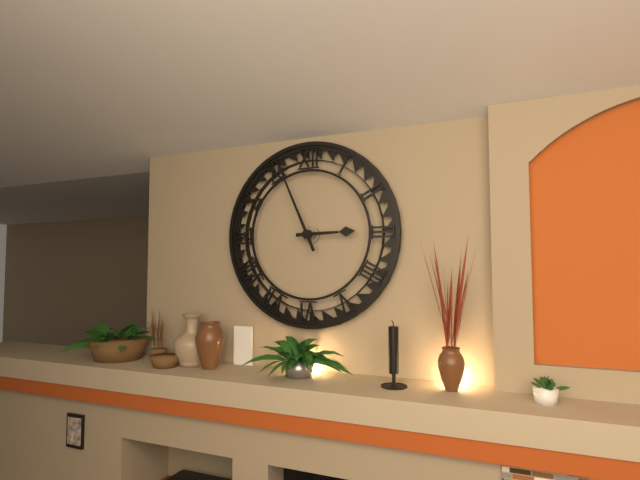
2:56
